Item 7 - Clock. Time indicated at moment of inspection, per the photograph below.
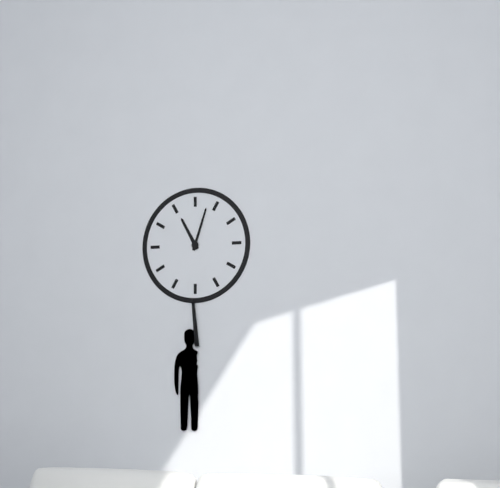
11:03
